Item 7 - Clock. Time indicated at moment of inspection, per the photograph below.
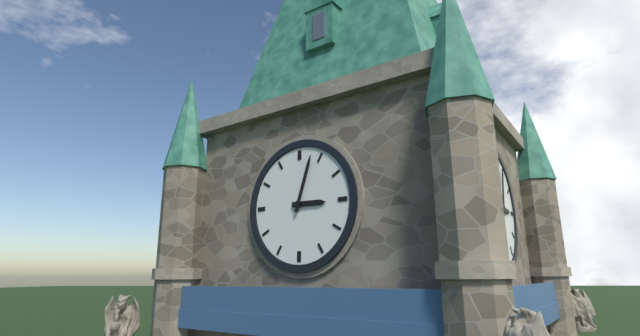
3:03
